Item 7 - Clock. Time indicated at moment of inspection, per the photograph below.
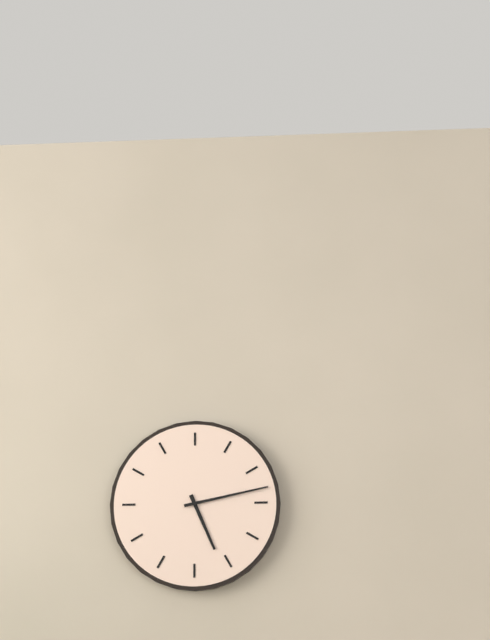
5:13
